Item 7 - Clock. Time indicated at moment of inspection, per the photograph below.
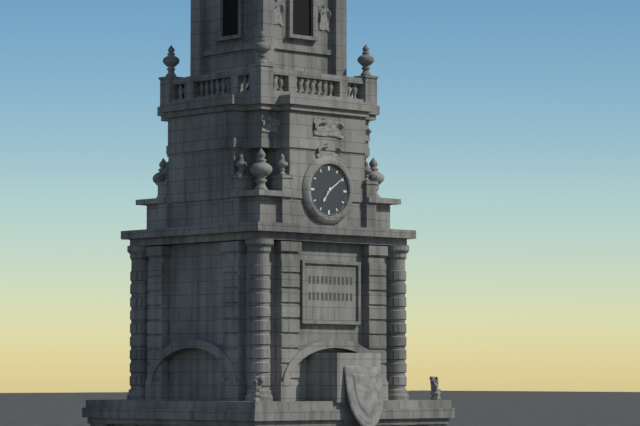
7:09
